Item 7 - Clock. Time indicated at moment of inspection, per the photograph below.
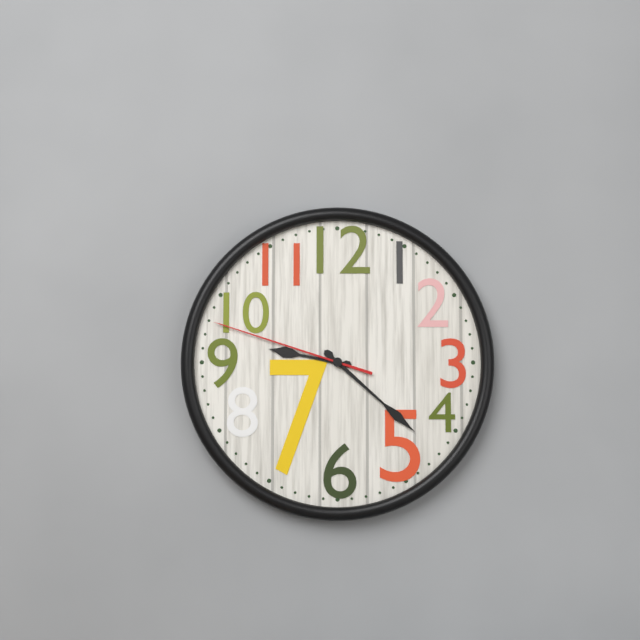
9:22:48
